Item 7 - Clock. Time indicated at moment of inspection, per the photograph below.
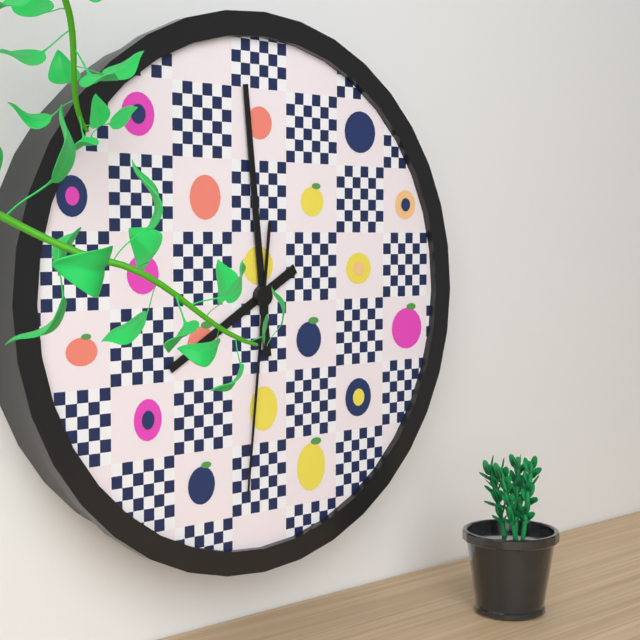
7:59:31
